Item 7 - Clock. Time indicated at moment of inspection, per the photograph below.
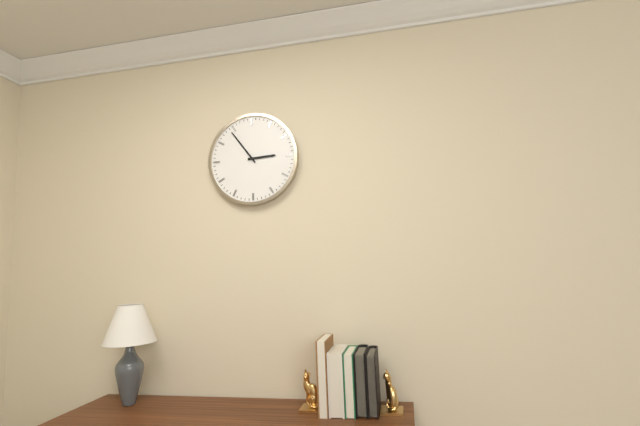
2:54
